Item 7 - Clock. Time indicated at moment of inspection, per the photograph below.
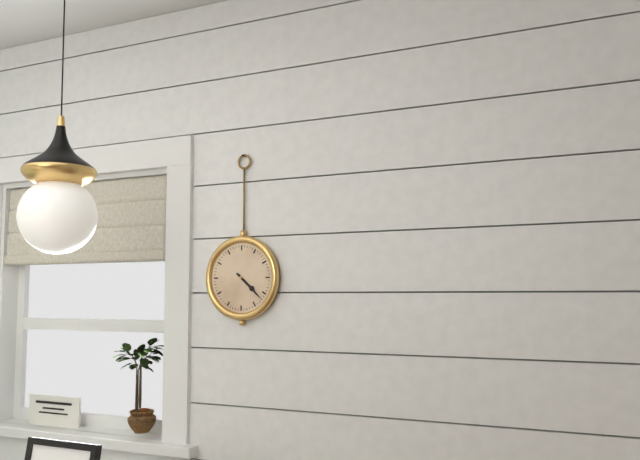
4:22
